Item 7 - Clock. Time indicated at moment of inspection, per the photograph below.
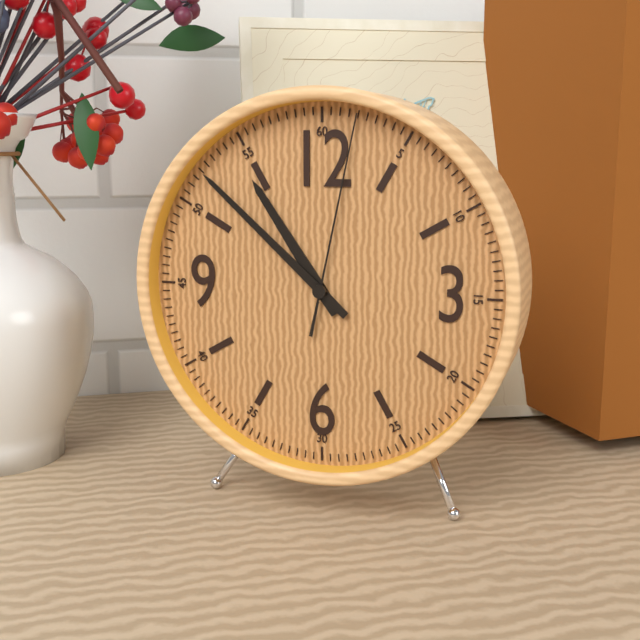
10:52:02
